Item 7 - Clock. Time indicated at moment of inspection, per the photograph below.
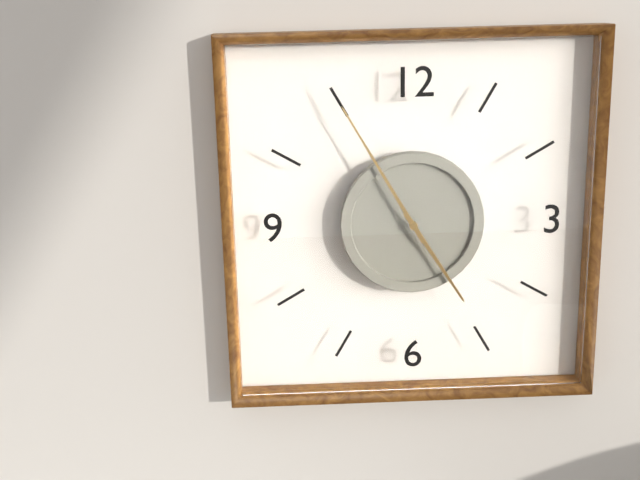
4:55
